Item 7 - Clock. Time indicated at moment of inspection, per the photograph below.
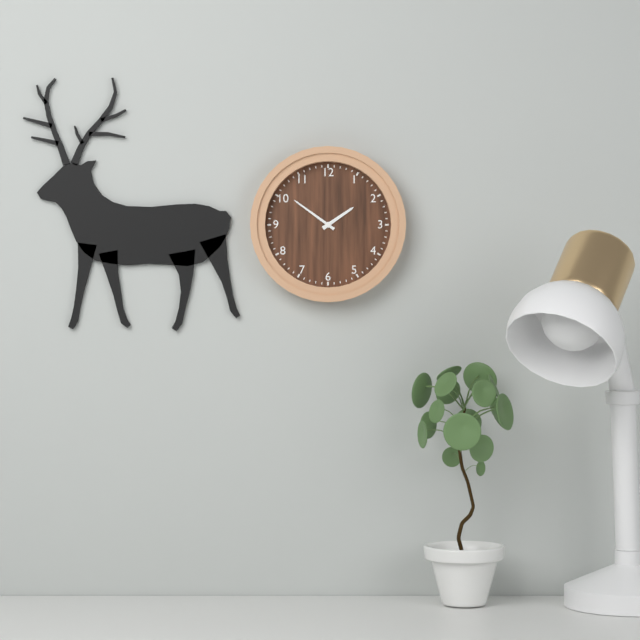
1:51
